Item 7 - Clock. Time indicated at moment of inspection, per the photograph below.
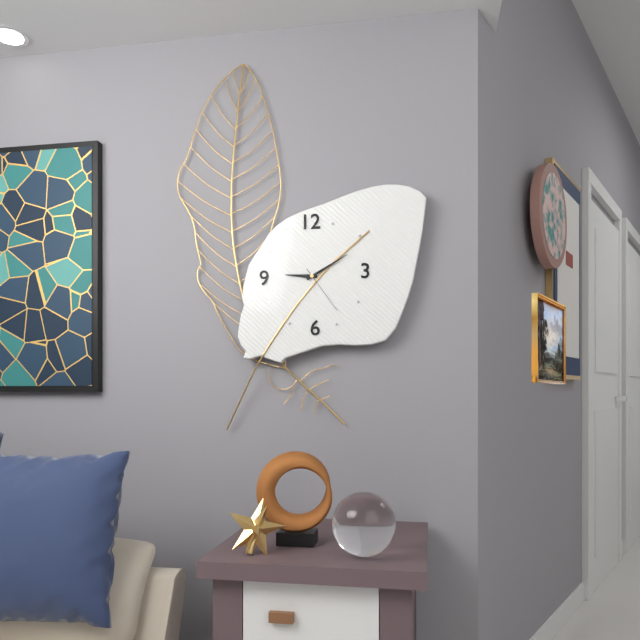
9:10:24
